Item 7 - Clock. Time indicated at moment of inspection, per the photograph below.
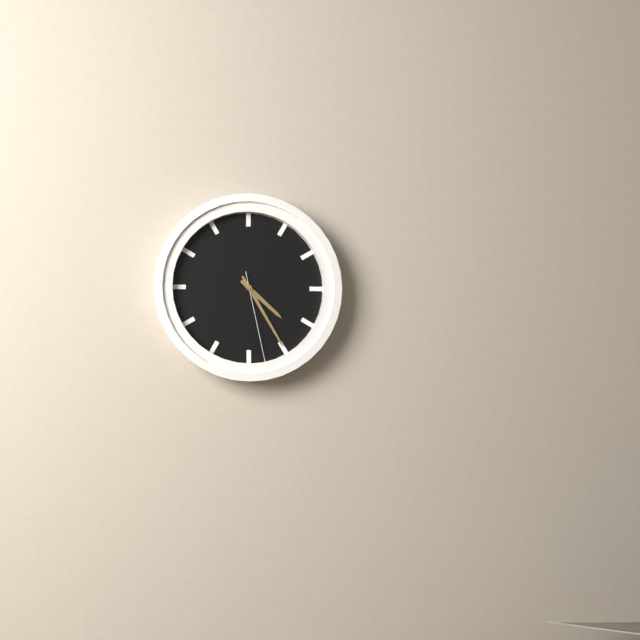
4:25:28
